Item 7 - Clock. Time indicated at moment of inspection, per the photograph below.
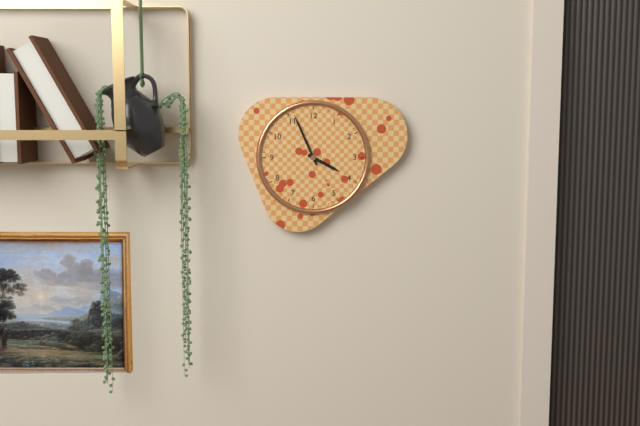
3:56
